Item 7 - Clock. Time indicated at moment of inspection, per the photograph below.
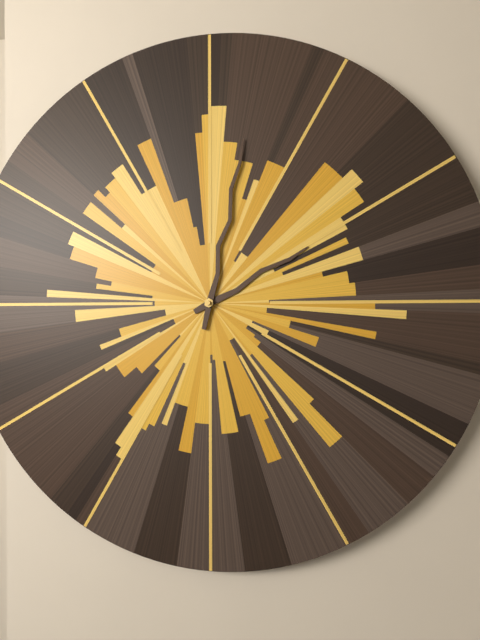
2:02
